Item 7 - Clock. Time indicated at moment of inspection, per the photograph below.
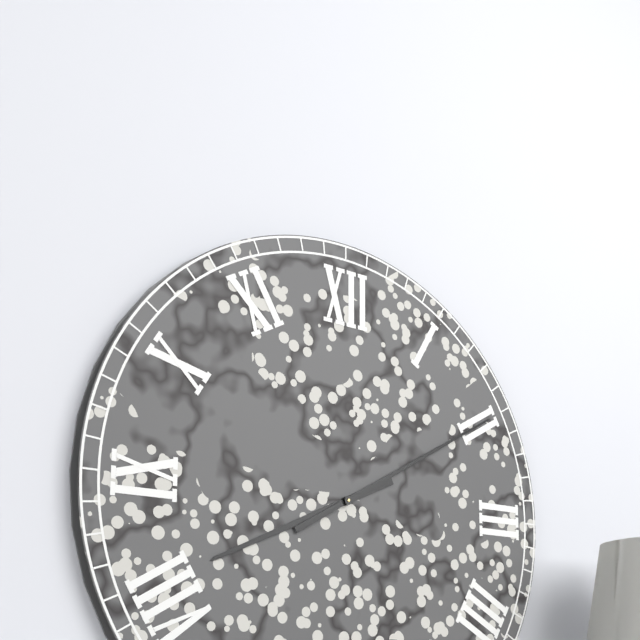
8:10
